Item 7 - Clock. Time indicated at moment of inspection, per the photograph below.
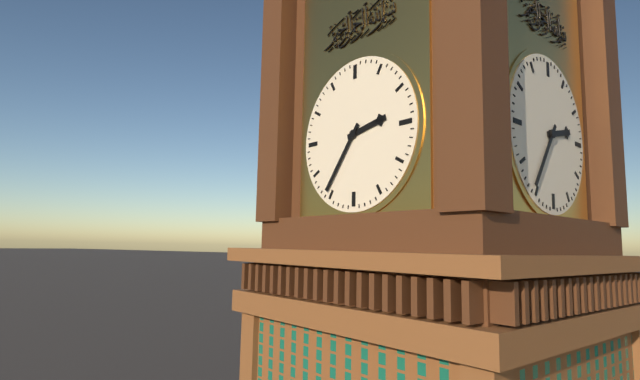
2:36
